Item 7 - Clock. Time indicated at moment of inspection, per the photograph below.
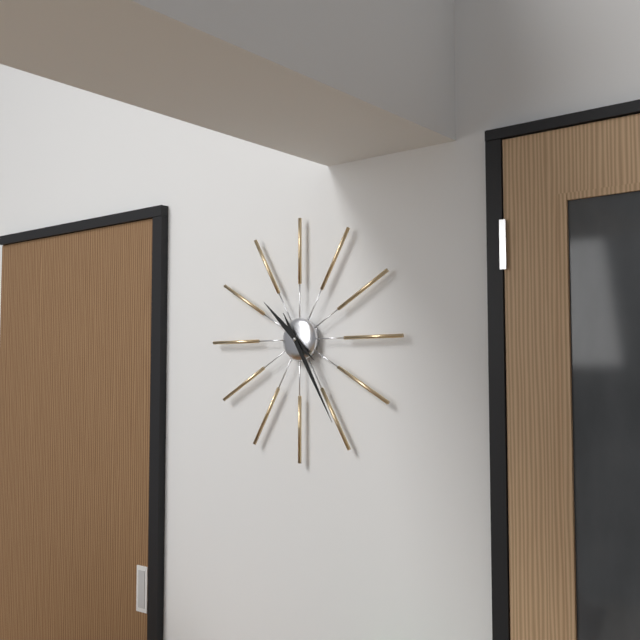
10:25
